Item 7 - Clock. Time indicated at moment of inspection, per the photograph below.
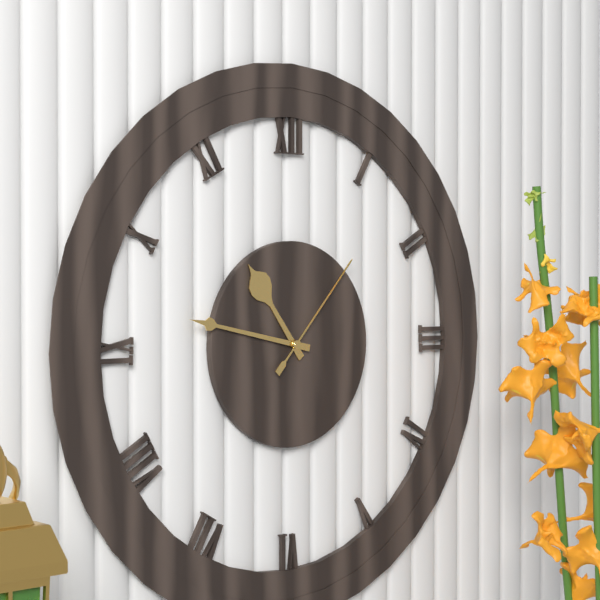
10:47:07
